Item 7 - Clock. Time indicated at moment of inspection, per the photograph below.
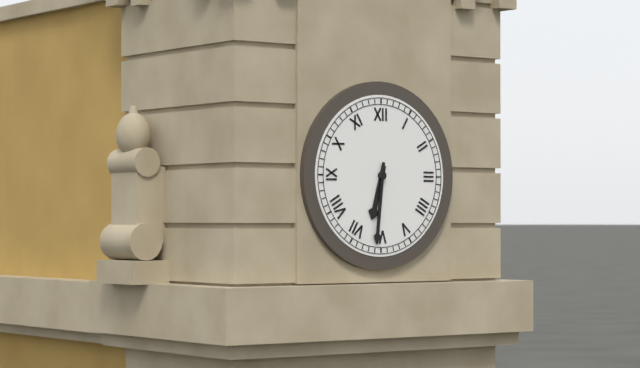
6:31
